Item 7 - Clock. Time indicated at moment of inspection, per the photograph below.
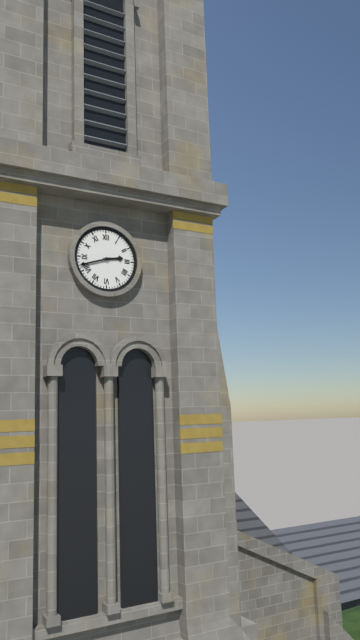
2:42
